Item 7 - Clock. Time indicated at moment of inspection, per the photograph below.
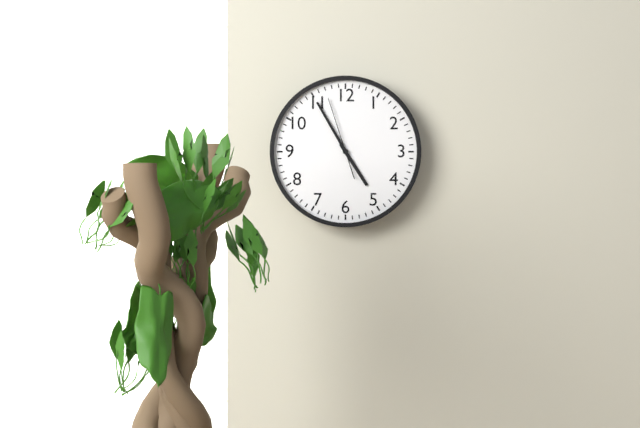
4:55:57
